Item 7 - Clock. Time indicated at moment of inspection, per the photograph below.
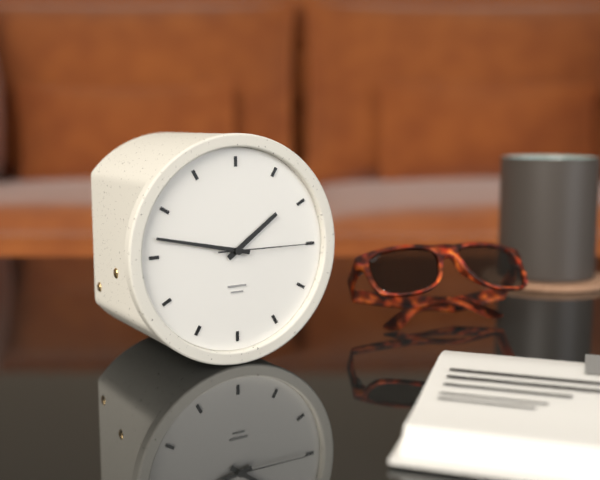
1:47:15
